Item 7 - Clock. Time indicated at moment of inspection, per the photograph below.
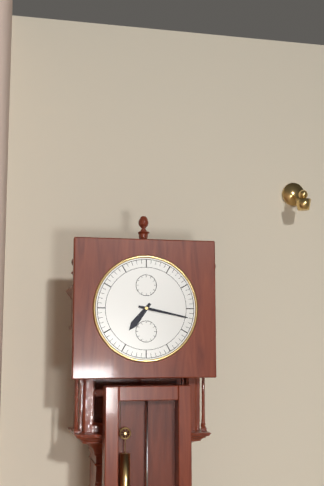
7:17
